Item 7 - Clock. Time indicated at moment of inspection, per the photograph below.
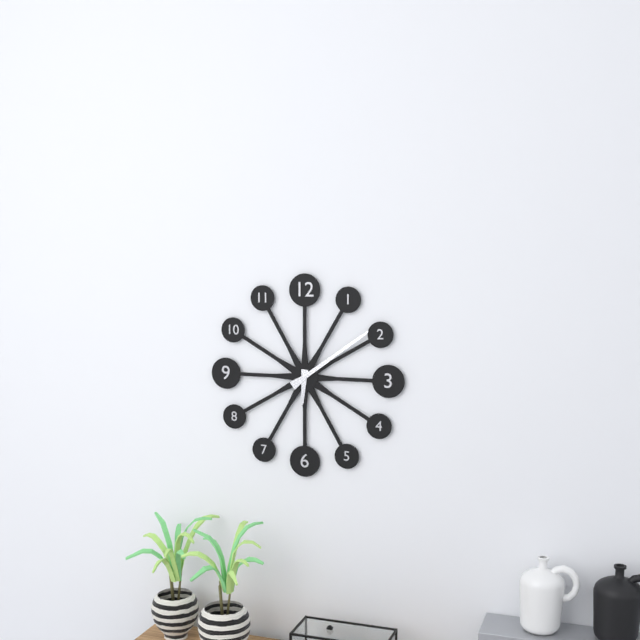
6:09
